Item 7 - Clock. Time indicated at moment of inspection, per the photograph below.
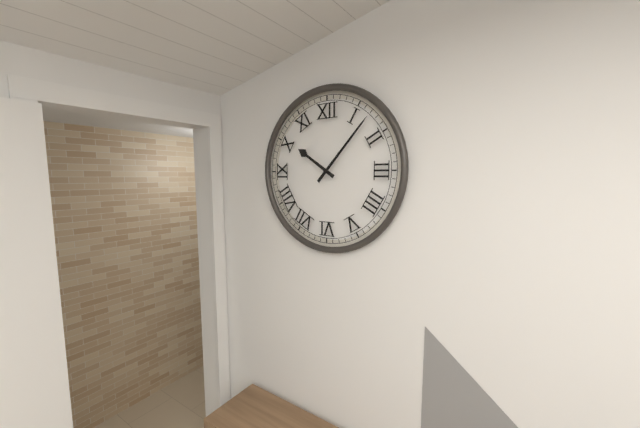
10:07
